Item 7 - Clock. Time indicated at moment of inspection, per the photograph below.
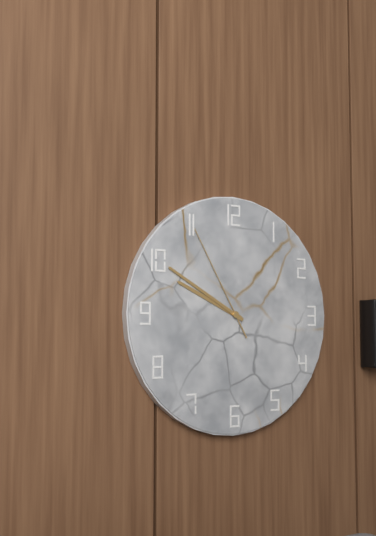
9:50:55
